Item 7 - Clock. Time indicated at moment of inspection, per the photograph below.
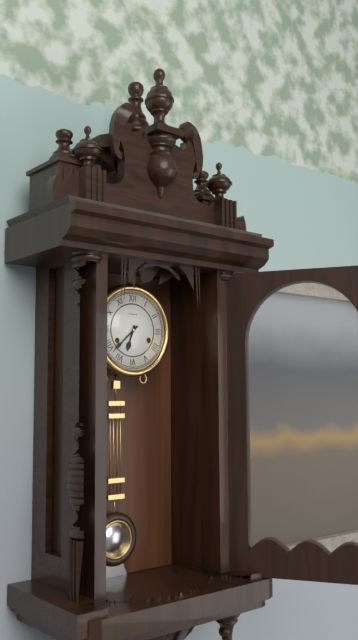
6:38
